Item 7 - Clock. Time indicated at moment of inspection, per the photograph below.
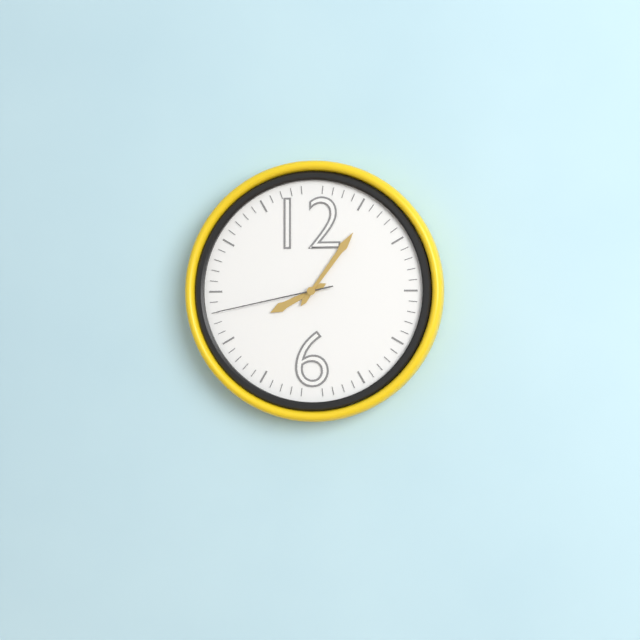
8:06:43
